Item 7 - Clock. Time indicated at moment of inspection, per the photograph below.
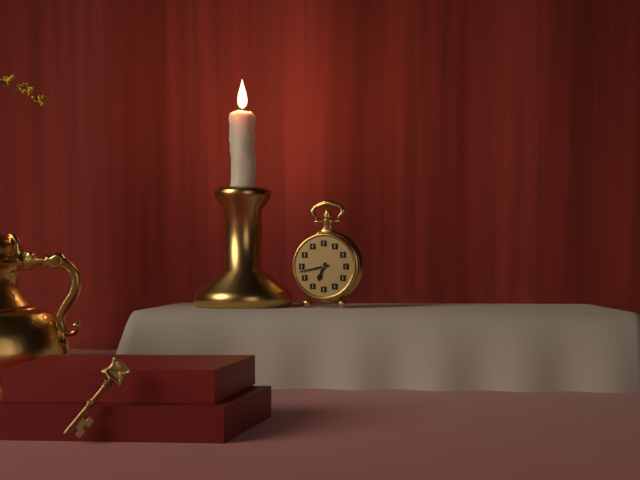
6:43
